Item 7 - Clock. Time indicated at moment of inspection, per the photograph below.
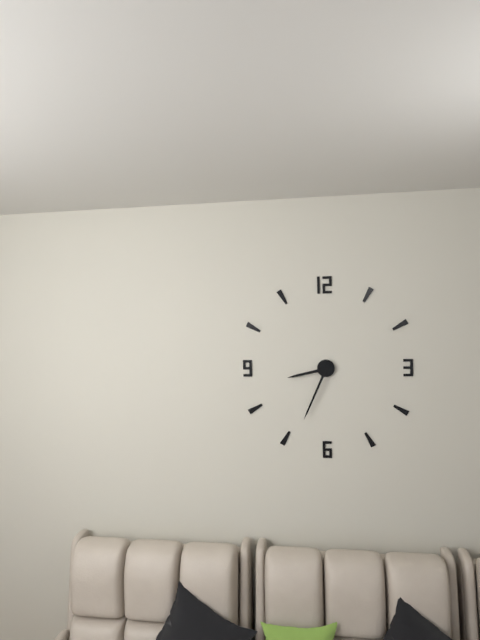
8:34
